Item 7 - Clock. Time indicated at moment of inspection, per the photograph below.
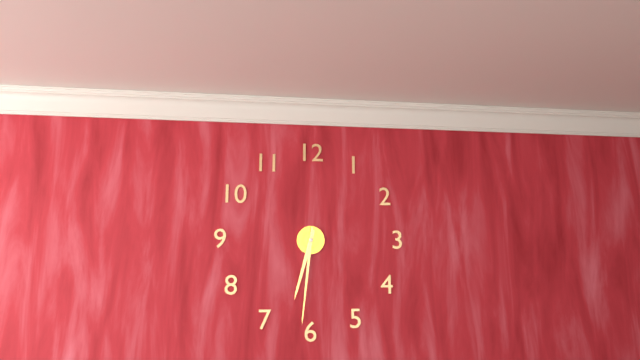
6:31
